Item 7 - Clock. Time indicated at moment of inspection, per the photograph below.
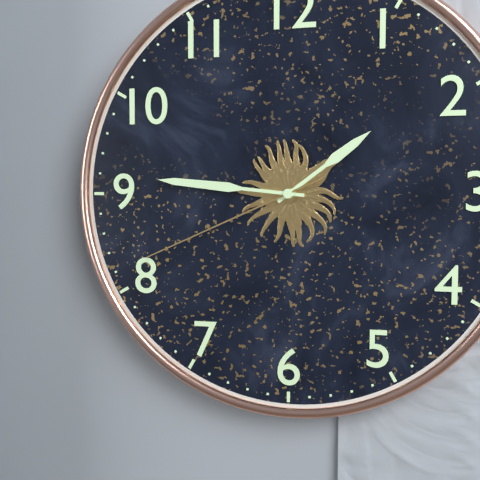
1:46:41
